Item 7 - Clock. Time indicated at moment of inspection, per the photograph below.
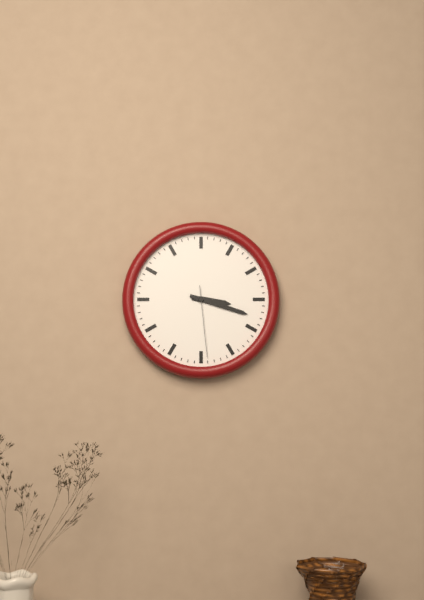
3:18:29
